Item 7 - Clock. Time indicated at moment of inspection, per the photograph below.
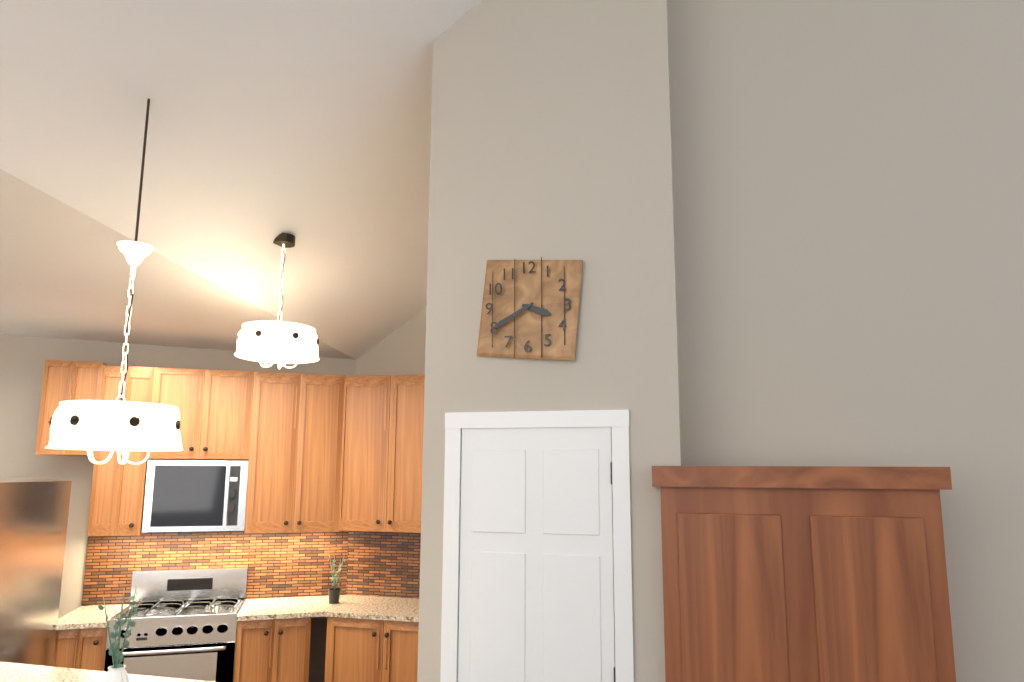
3:40
